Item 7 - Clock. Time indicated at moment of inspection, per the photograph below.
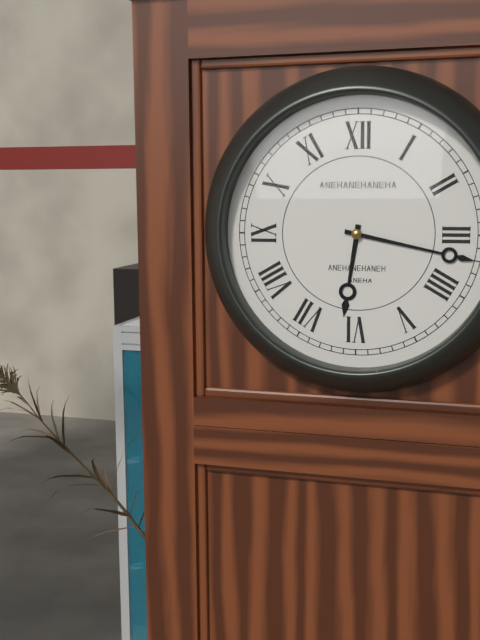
6:17
